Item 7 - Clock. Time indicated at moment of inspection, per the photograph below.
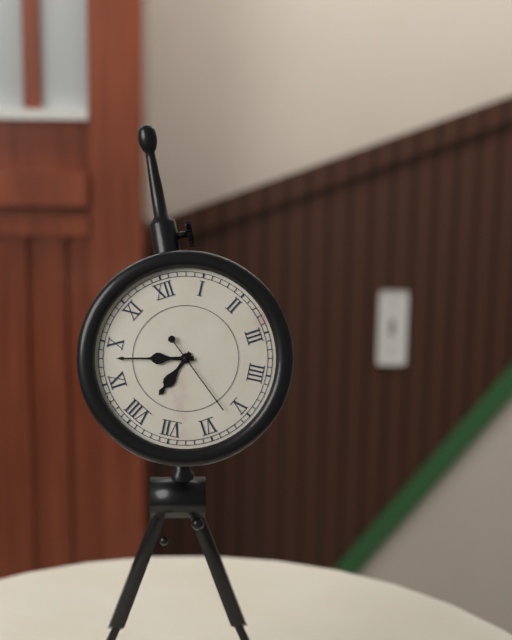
7:48:27
